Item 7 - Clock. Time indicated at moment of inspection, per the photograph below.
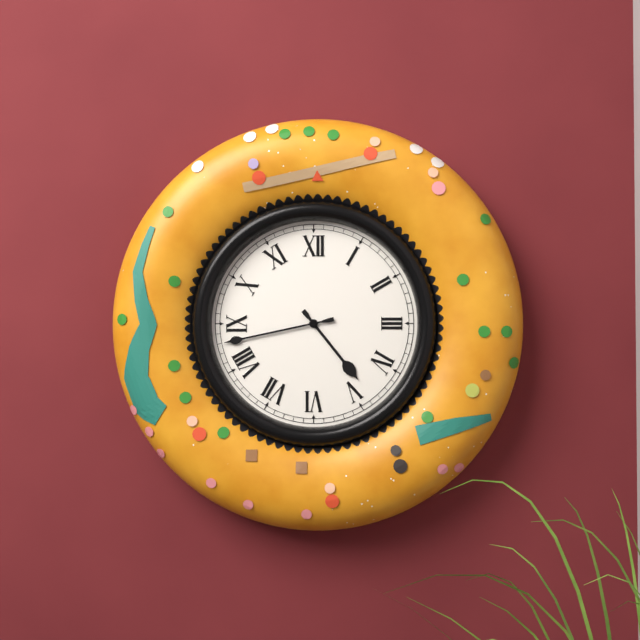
4:43
